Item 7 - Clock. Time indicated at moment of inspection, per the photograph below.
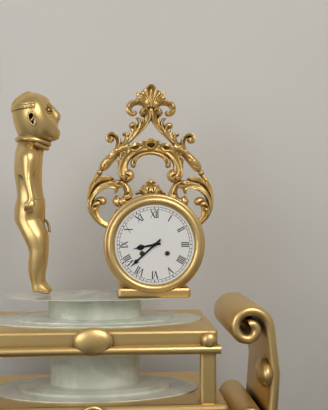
8:38
